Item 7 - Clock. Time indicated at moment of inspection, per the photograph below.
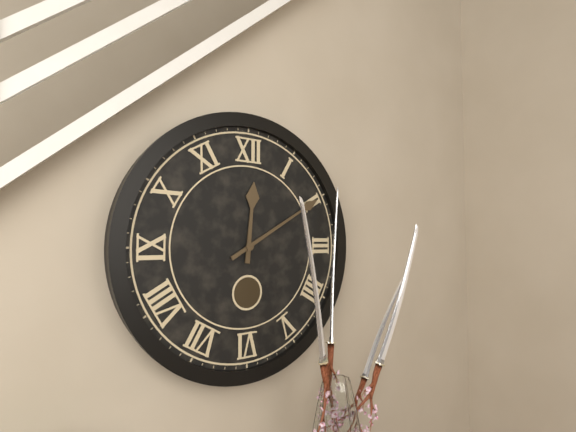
12:10
